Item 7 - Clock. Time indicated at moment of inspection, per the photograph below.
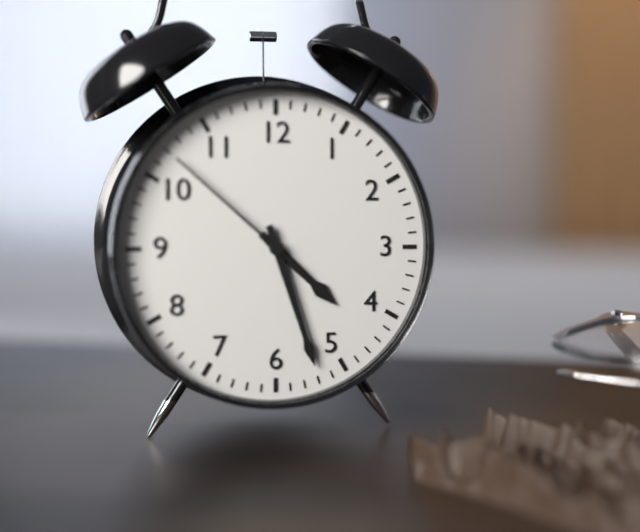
4:27:52
